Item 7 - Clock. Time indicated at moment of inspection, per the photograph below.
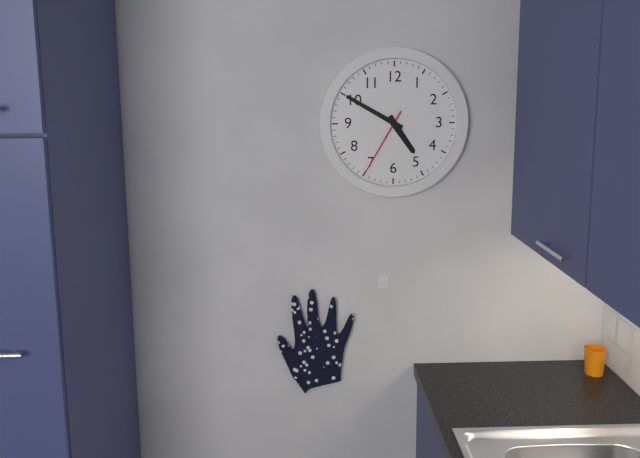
4:50:35
